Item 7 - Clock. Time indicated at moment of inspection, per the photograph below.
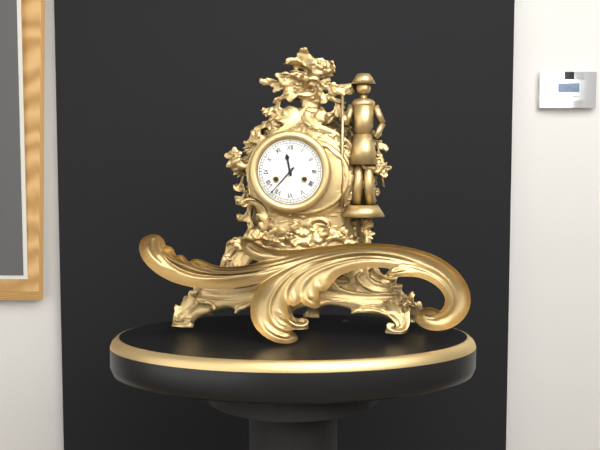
11:37
